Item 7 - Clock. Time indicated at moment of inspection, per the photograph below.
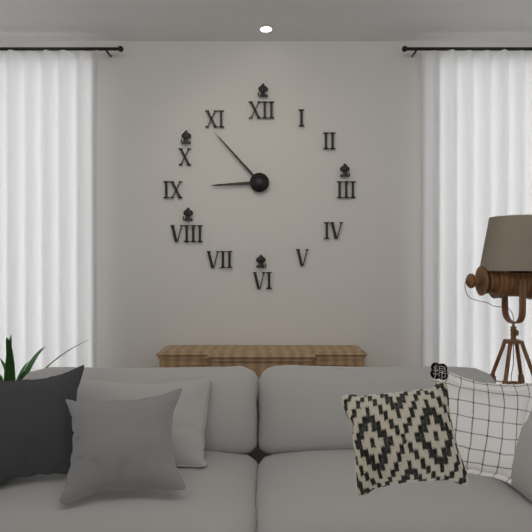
8:53
